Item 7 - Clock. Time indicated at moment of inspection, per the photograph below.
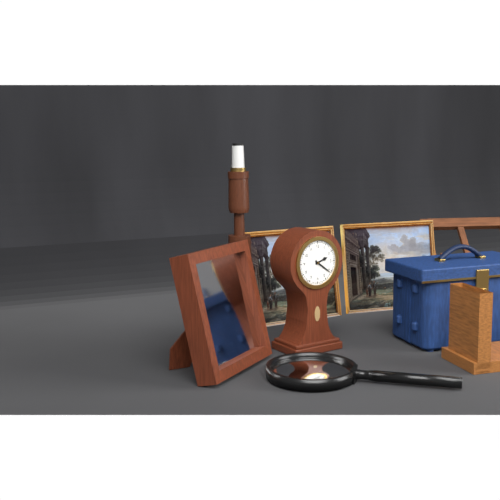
2:21
